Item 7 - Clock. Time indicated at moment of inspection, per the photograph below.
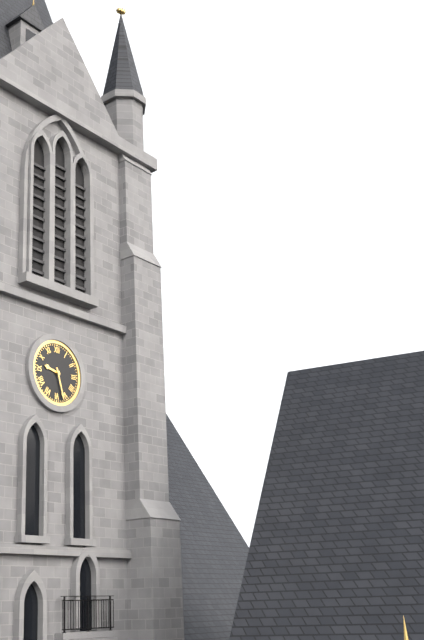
9:27
